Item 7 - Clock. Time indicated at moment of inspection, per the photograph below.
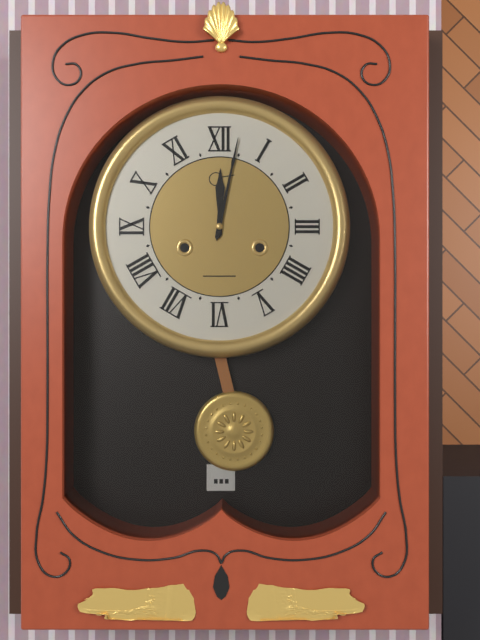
12:02
